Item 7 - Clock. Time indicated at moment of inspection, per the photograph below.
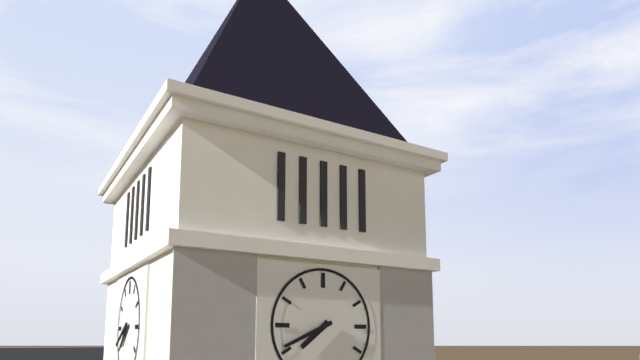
7:41
